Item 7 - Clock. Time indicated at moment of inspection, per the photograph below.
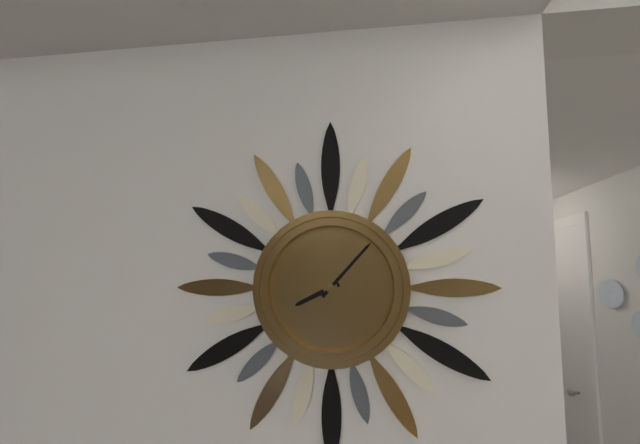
8:07
